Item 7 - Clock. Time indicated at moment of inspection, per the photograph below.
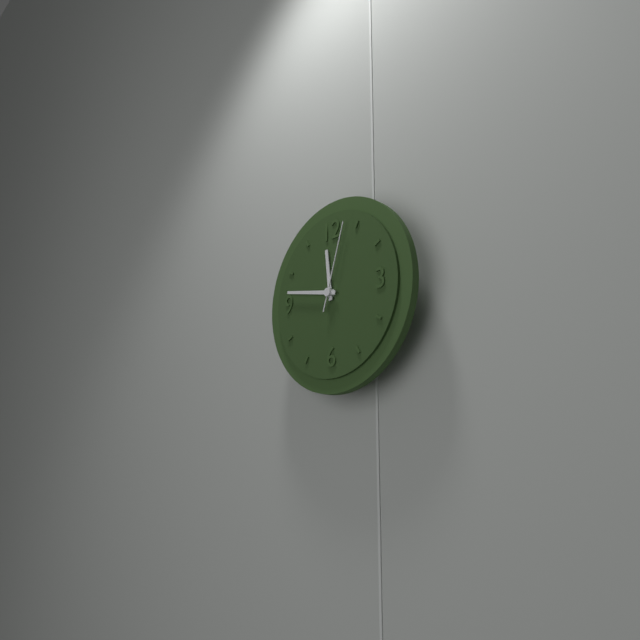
11:47:03
